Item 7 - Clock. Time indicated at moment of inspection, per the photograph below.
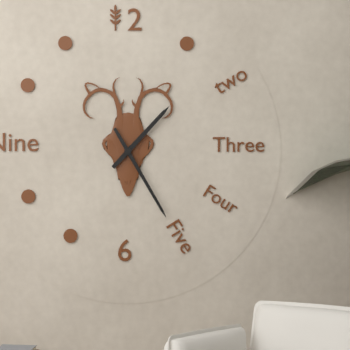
1:25
